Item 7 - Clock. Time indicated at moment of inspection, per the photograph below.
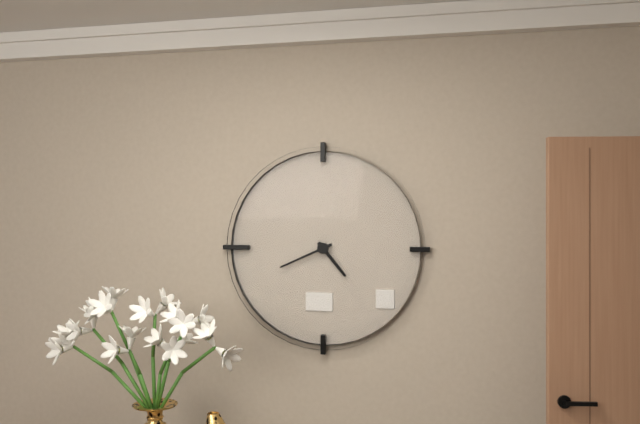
4:41
